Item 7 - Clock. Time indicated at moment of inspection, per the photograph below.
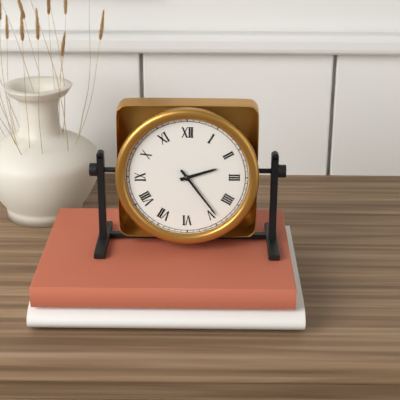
2:24
